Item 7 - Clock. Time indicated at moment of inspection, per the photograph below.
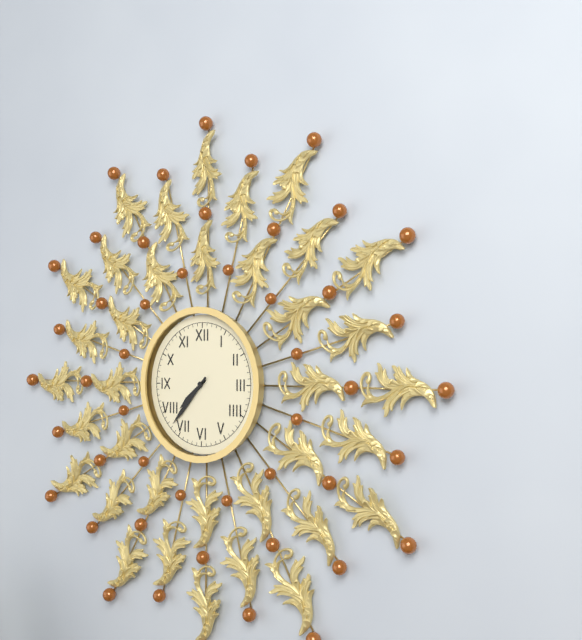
7:37
